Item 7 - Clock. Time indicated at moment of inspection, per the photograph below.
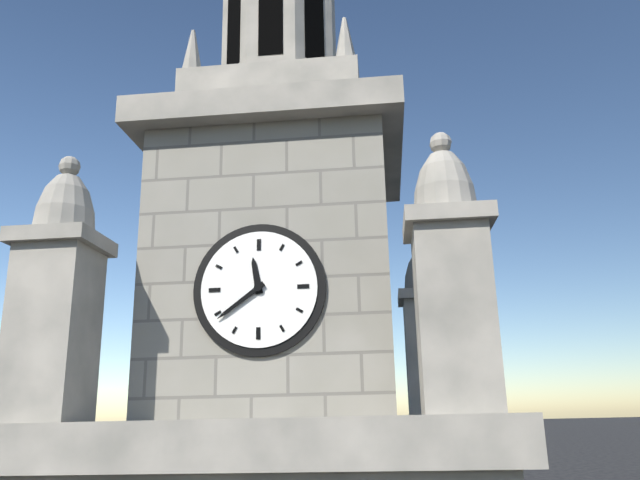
11:39
